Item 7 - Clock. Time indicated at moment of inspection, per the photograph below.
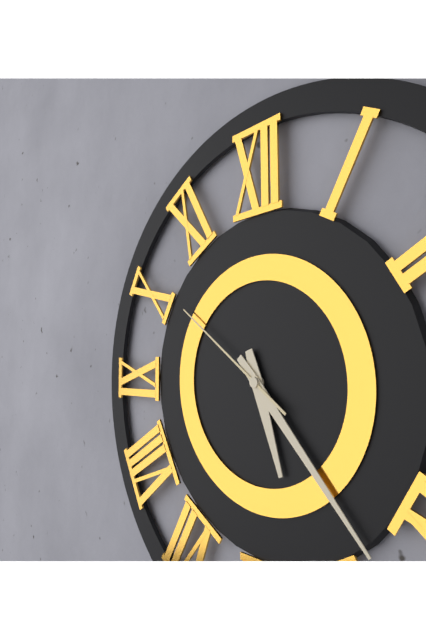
5:23:51
